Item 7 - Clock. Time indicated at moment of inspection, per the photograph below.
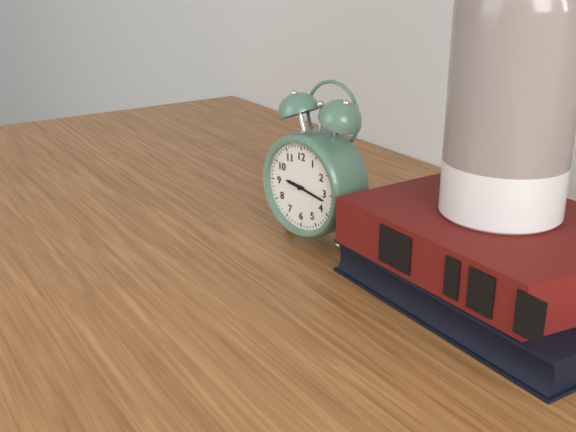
9:17
